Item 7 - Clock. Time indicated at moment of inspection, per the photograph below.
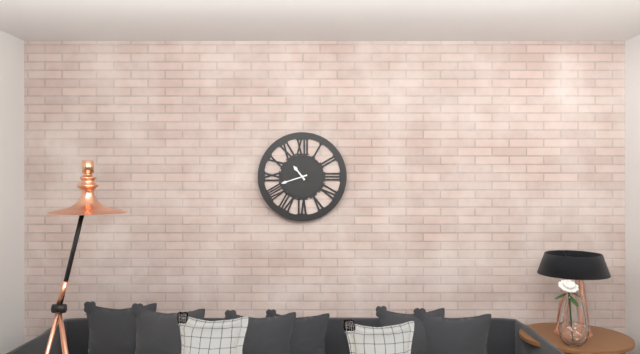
10:42
